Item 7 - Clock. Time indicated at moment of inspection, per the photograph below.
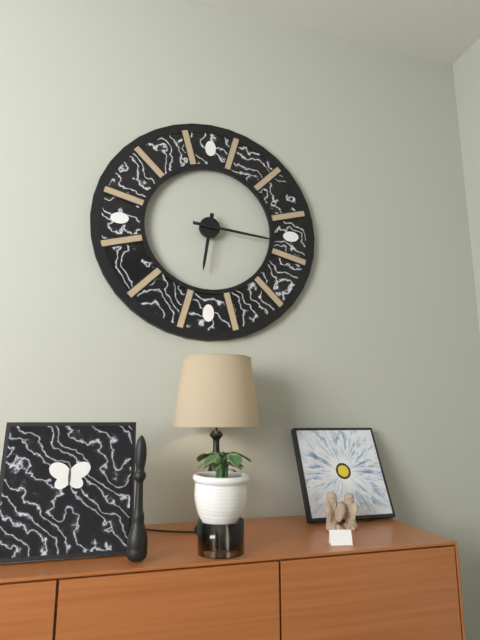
6:16
